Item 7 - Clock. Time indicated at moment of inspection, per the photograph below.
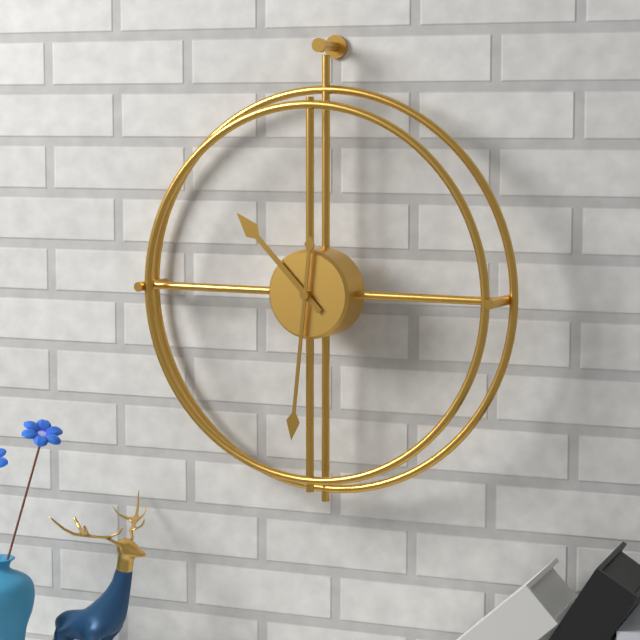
10:31
